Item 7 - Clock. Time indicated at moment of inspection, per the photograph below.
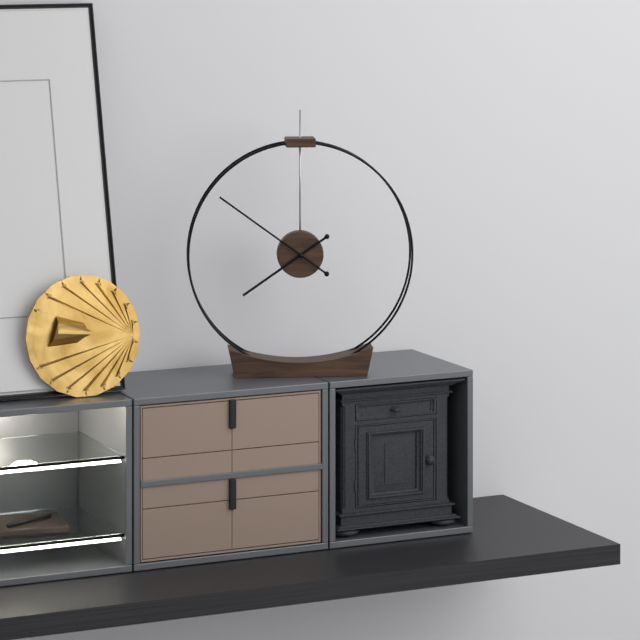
7:51
